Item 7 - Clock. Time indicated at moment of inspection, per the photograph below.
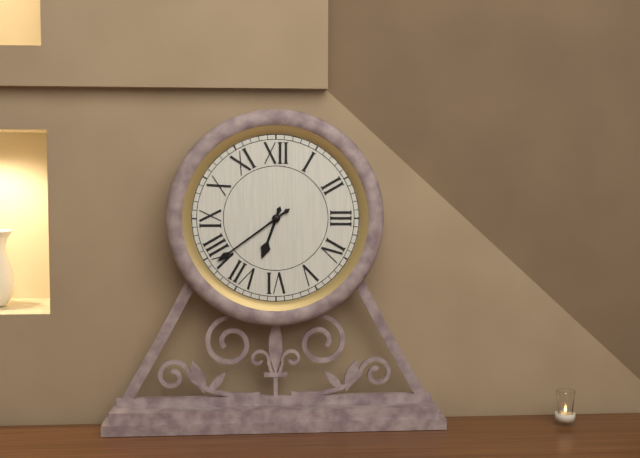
6:39
